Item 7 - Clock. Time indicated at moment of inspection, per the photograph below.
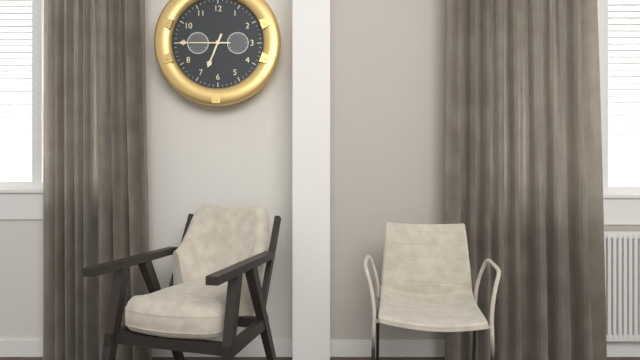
6:45
